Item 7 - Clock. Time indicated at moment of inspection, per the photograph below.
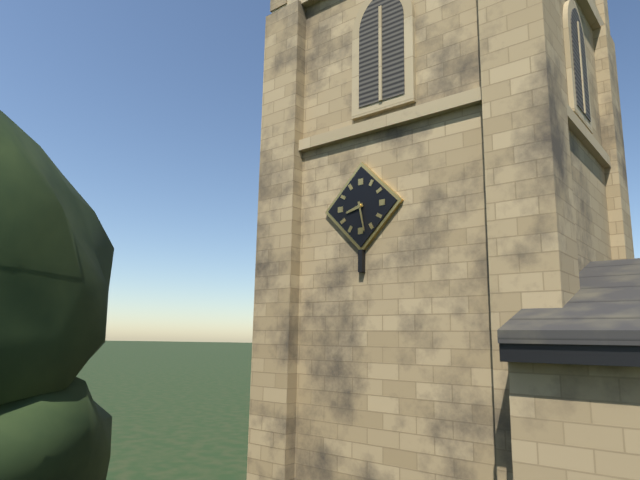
8:28
